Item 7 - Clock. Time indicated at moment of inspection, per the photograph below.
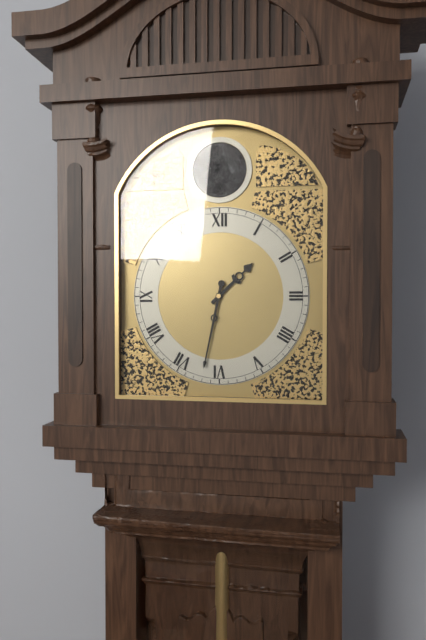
1:32
